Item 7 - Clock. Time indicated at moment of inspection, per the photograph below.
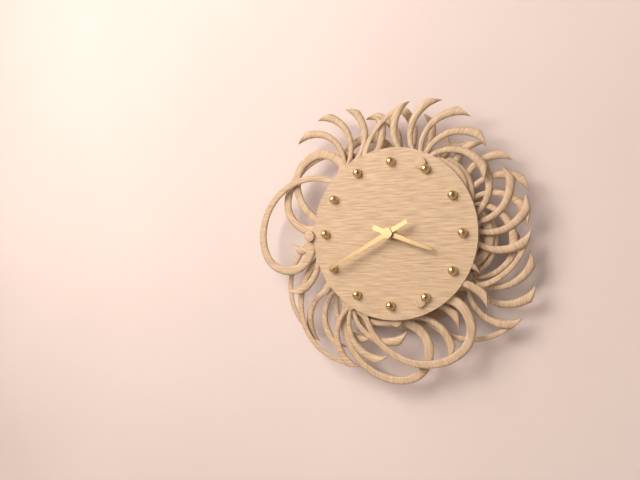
3:40
